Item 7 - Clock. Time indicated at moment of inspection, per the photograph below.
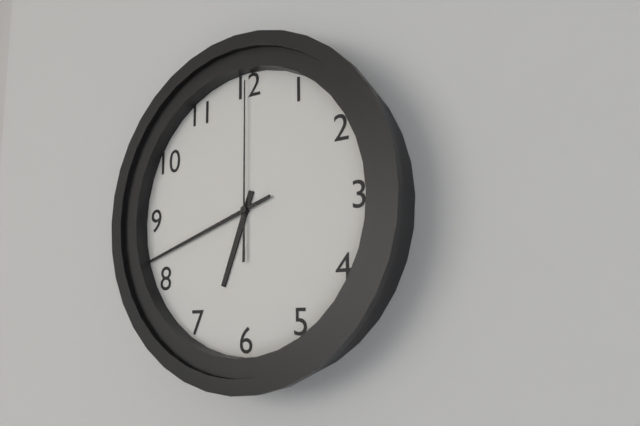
6:42:00
